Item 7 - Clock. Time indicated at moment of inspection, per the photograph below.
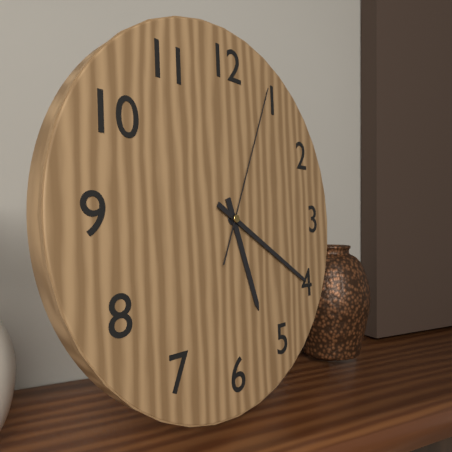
5:20:04
